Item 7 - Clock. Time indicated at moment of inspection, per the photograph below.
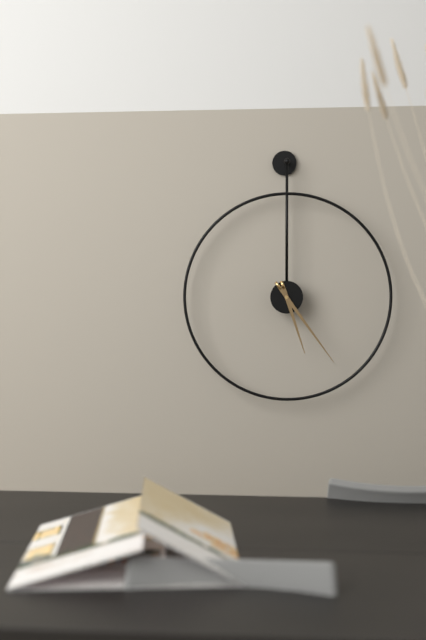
5:24
